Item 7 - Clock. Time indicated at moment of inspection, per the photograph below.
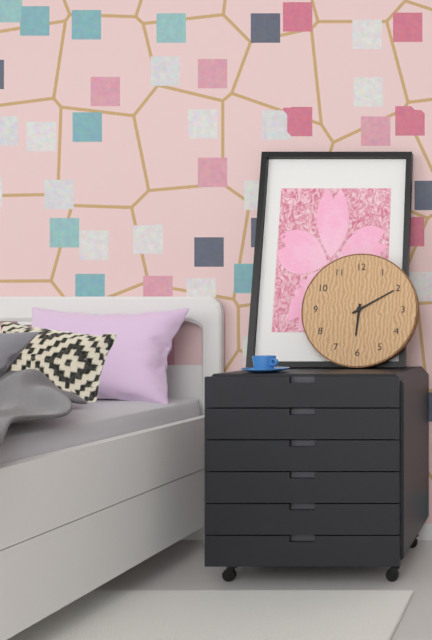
6:10
